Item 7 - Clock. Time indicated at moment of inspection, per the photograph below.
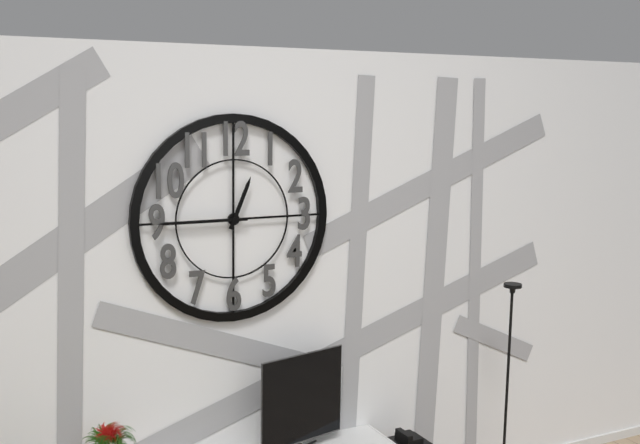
12:45
